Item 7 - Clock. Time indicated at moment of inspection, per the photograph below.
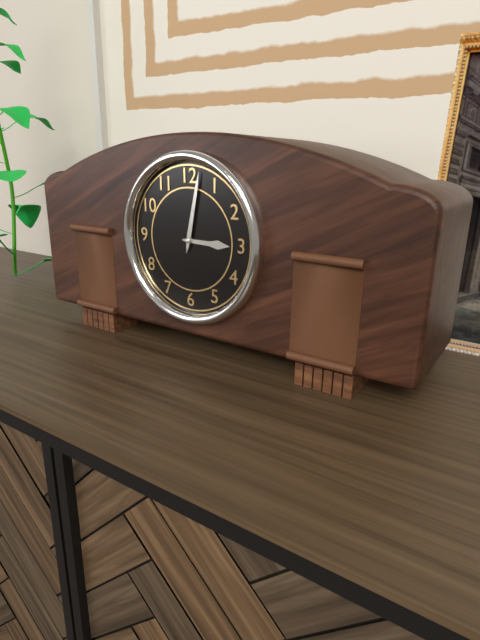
3:02
